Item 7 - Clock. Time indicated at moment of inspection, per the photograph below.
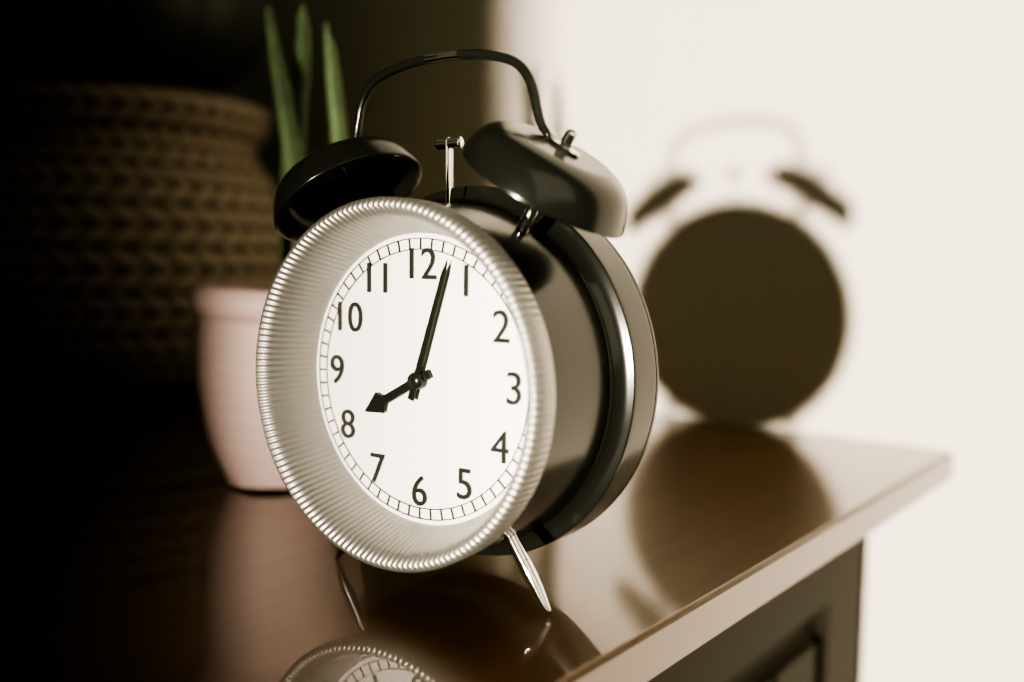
8:03
